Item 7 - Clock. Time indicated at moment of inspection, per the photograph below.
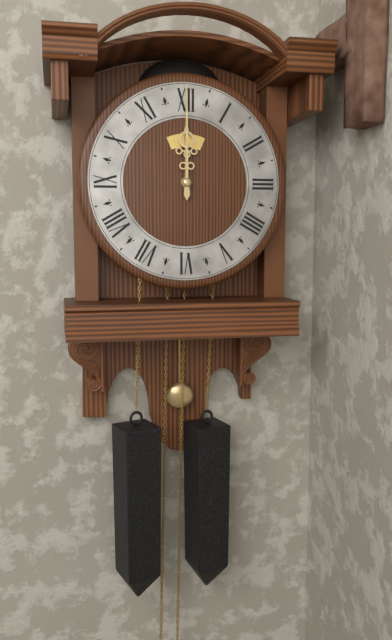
12:00
